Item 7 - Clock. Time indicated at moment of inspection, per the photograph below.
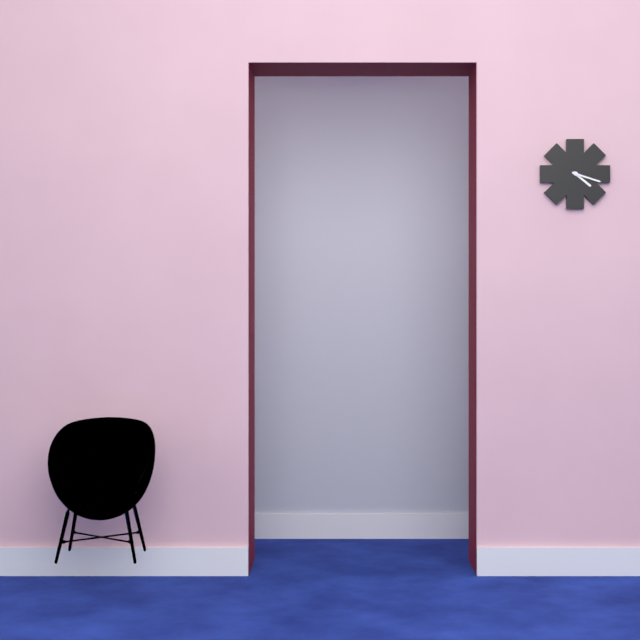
4:18
